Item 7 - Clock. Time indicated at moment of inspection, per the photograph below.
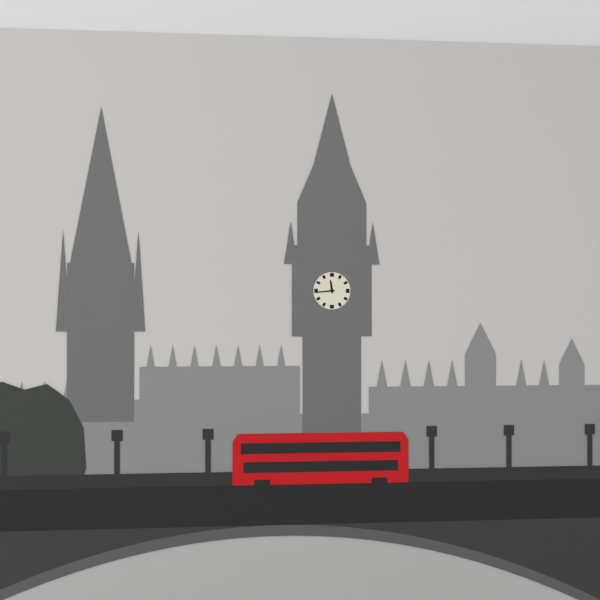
11:44
